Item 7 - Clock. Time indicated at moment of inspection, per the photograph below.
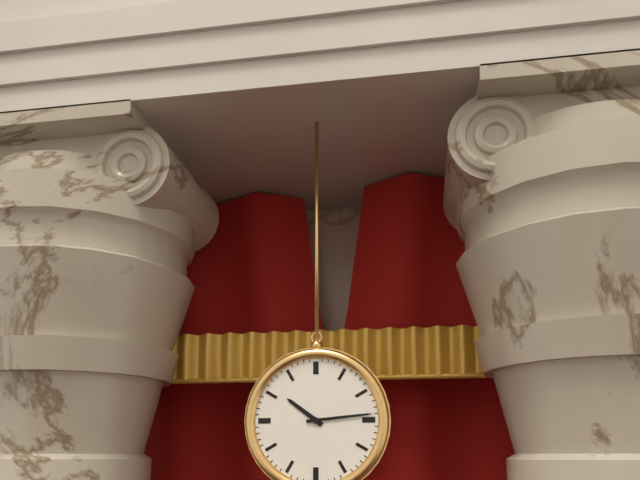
10:14
